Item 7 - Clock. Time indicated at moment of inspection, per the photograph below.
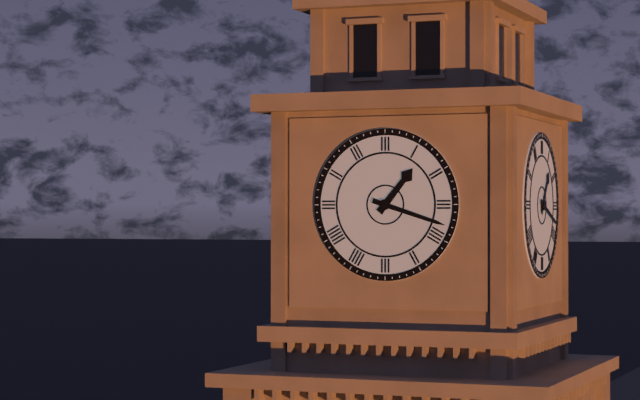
1:18
